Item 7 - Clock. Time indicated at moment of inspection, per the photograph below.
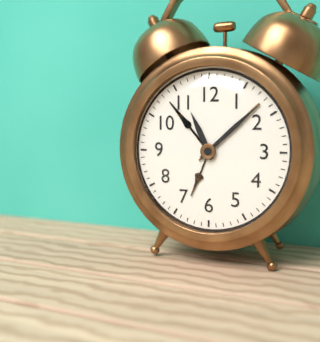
11:08
